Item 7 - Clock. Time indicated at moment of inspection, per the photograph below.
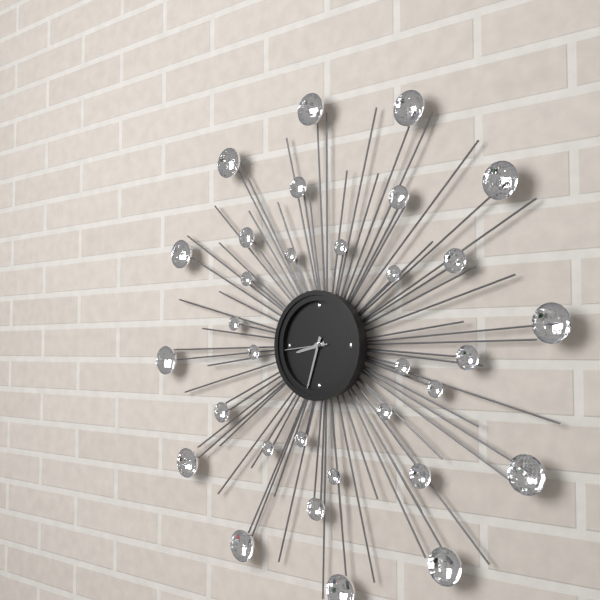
8:33
